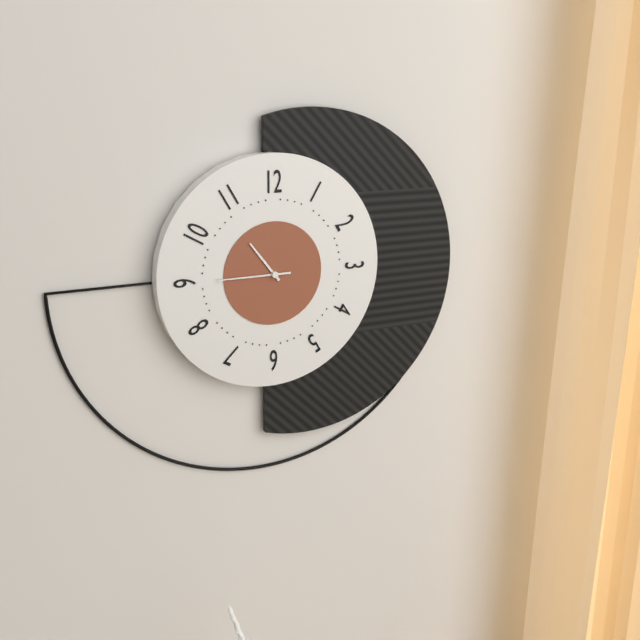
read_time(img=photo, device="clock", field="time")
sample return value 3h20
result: 10h45
